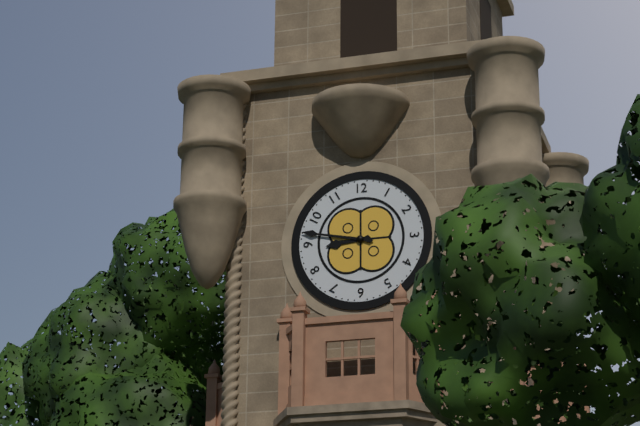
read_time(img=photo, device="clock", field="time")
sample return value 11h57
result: 8h47
